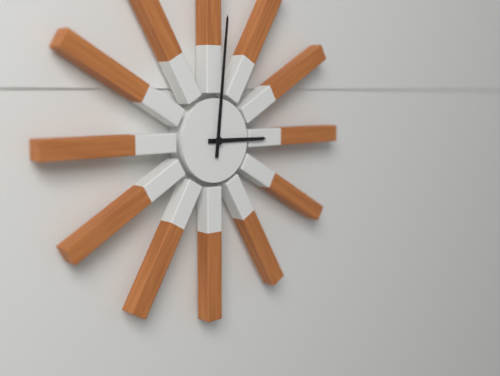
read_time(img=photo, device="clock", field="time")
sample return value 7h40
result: 3h01
